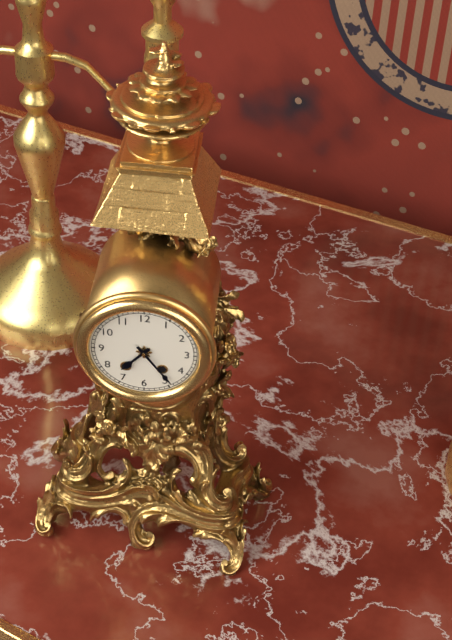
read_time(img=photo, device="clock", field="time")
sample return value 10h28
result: 7h24
